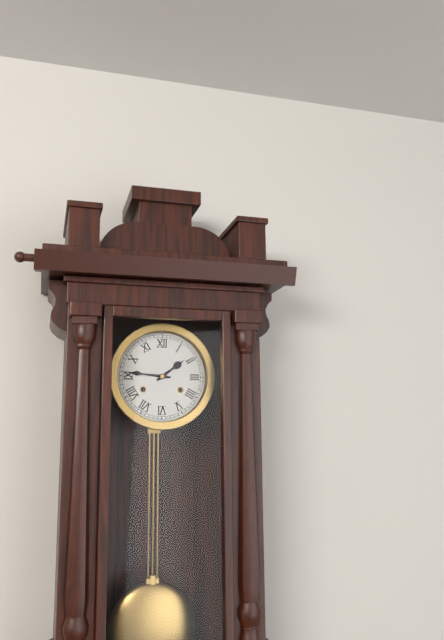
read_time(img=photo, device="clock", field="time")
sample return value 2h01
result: 1h46
